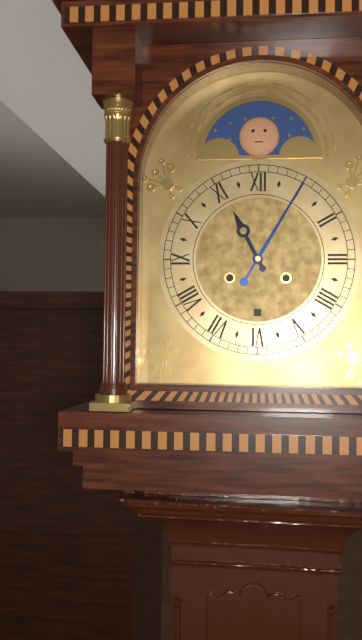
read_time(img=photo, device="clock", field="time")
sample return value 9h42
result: 11h05
